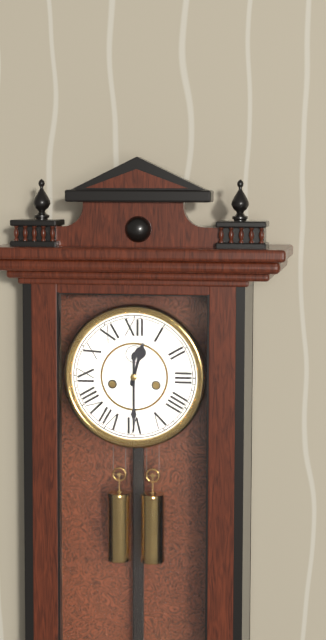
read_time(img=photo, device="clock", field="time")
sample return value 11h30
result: 12h30
